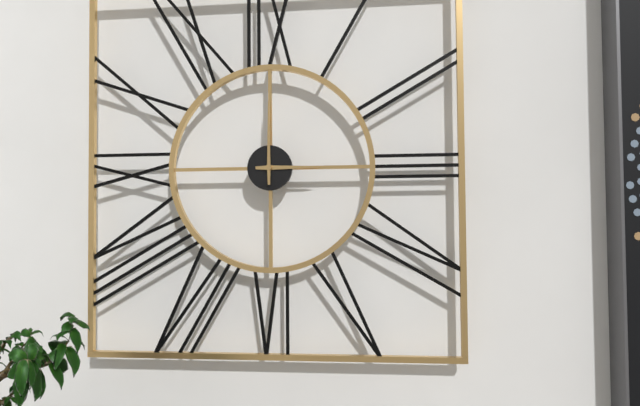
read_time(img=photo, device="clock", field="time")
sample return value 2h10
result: 3h00
